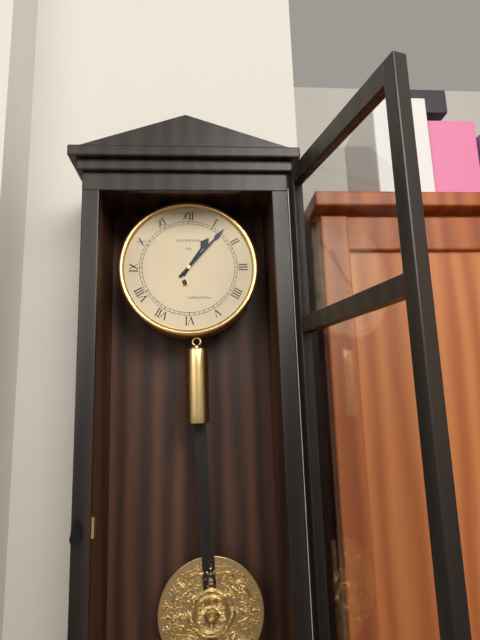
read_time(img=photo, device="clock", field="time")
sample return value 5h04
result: 1h07
